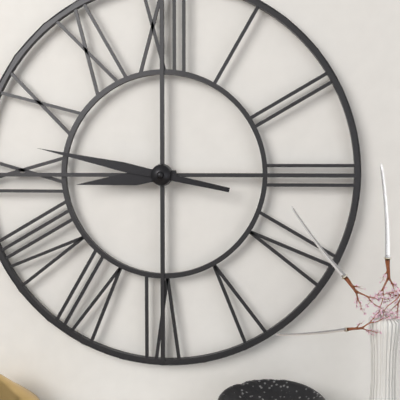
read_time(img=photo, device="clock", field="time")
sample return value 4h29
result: 8h47
